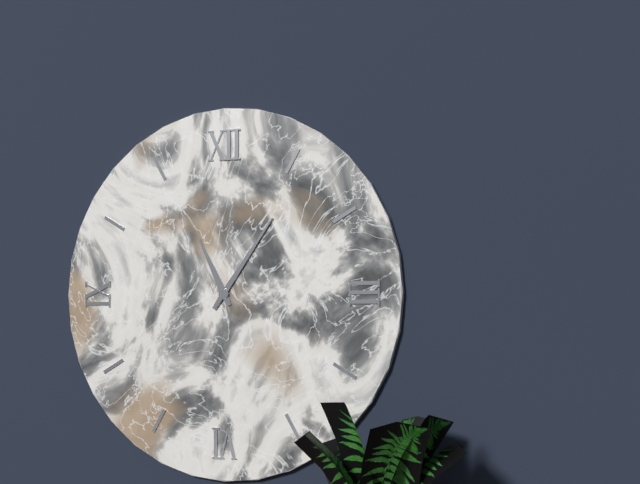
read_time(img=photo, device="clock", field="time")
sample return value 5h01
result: 11h06
